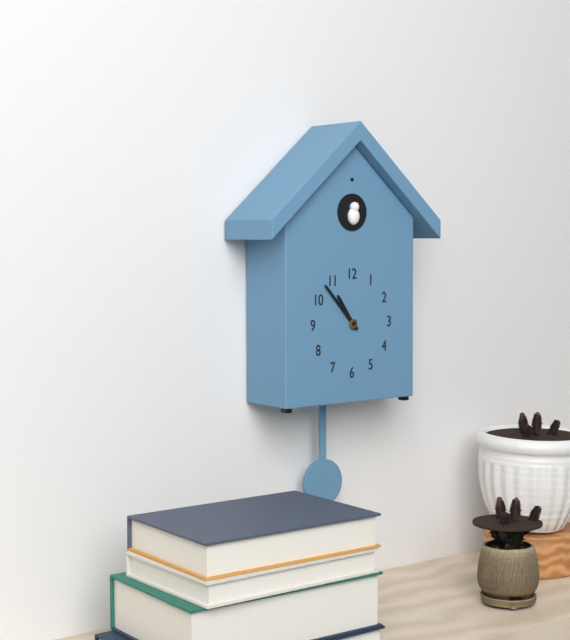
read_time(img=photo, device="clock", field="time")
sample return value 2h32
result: 10h53
